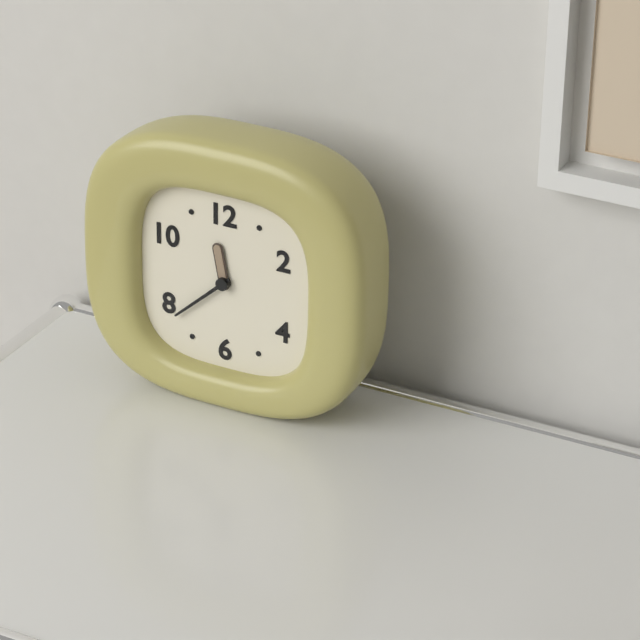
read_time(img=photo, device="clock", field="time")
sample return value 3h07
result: 11h38
